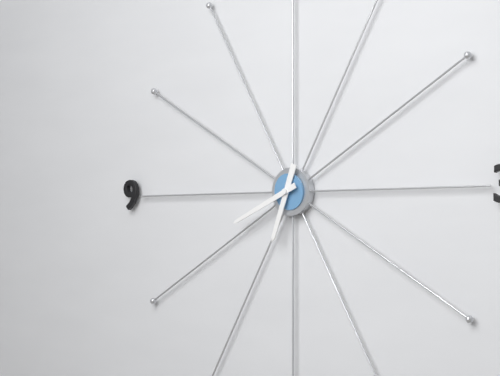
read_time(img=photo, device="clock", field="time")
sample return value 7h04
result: 6h41
